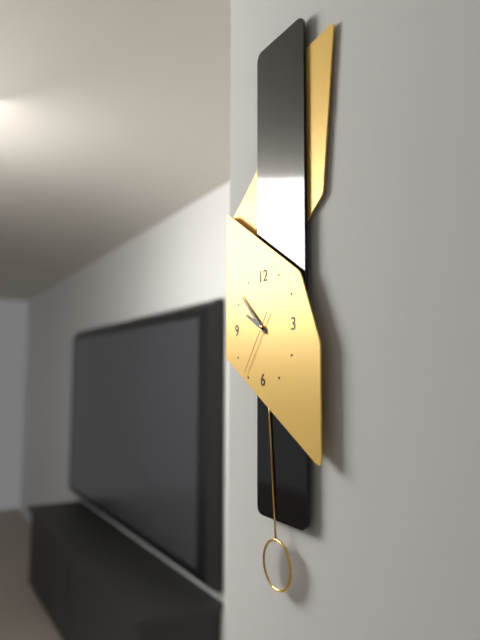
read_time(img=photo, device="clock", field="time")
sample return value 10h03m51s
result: 9h52m36s
